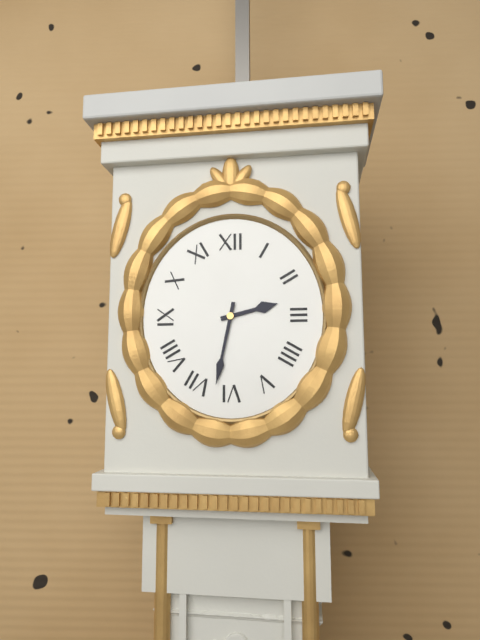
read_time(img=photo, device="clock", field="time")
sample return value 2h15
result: 2h32
